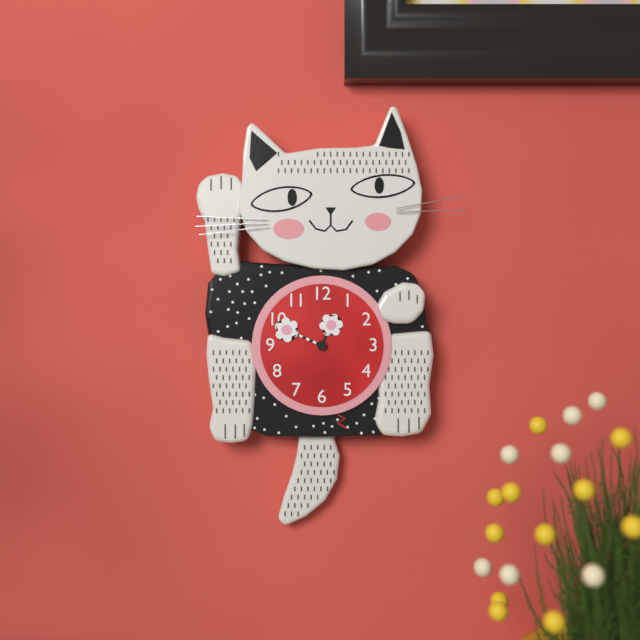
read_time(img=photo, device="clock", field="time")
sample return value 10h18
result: 12h49
